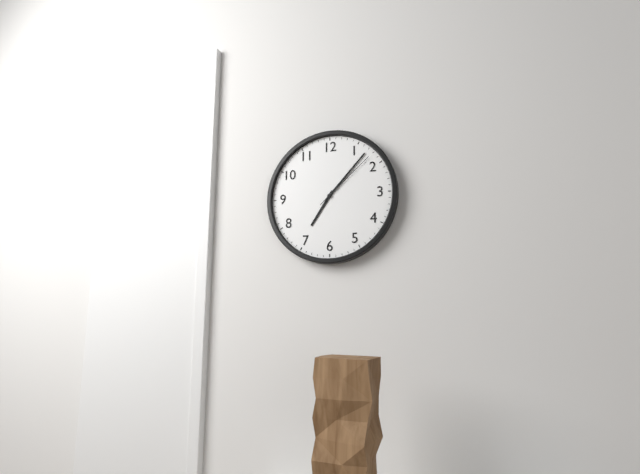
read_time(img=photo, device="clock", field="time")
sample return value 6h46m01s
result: 7h07m08s
